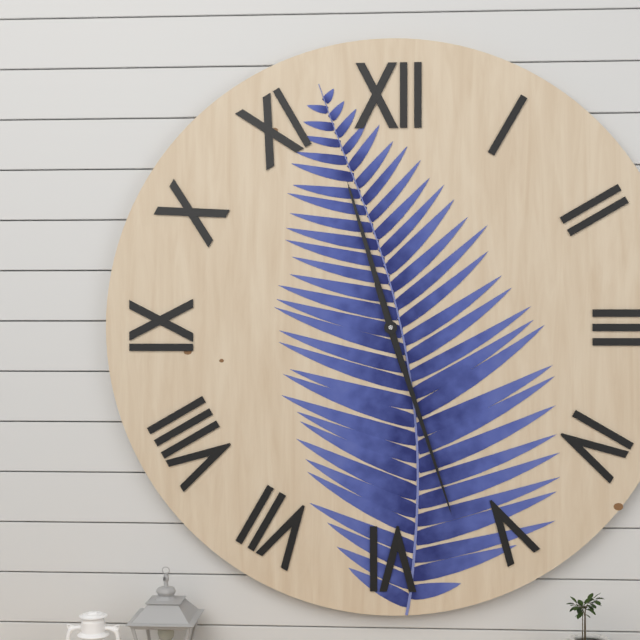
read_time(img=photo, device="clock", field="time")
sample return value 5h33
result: 11h27
